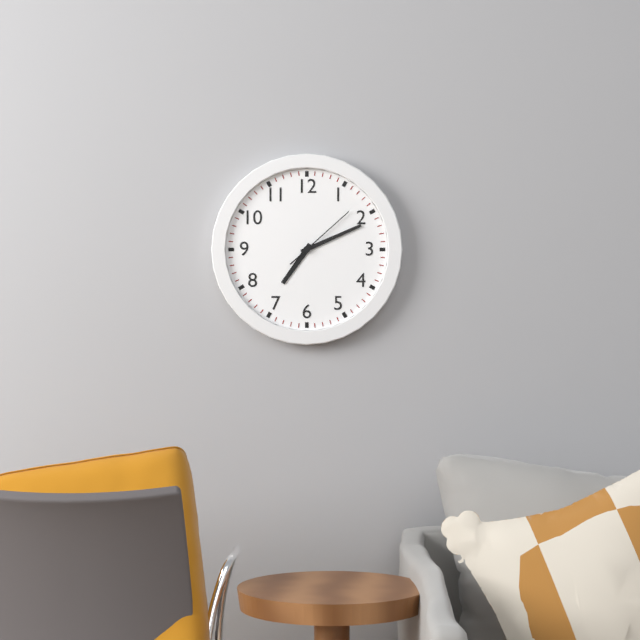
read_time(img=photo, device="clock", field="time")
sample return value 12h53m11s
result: 7h11m08s
